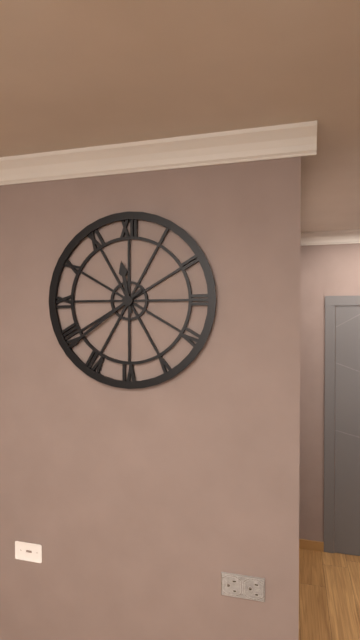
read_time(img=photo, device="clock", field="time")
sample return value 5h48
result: 11h39
